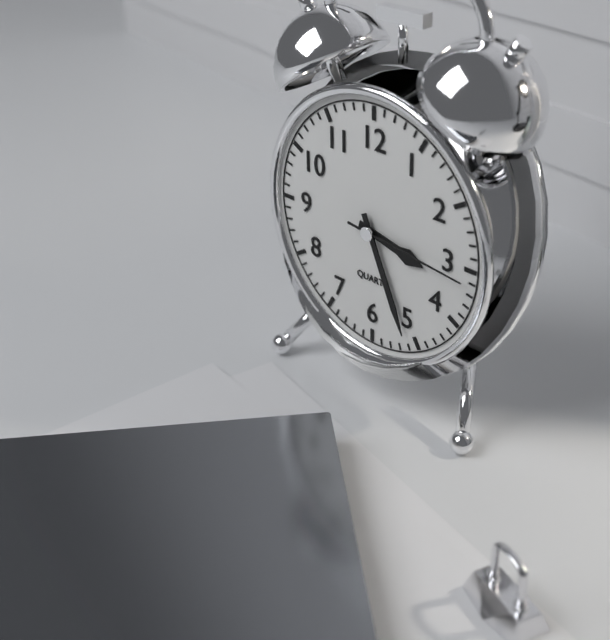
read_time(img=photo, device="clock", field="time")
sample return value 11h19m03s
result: 3h26m16s
